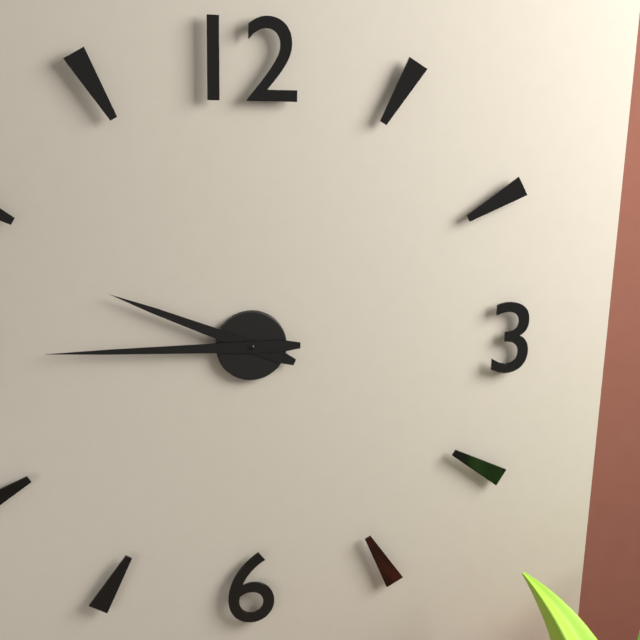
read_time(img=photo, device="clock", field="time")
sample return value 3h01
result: 9h45
